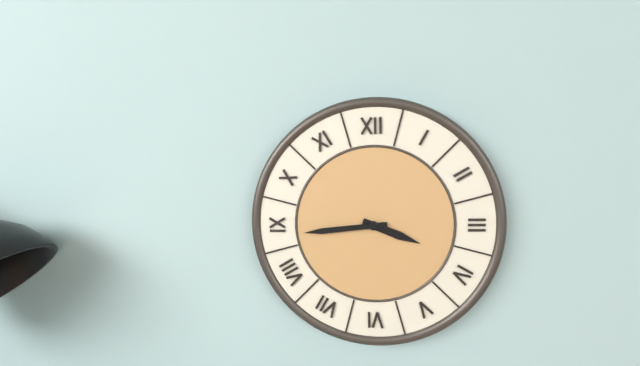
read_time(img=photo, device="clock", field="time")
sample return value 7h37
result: 3h44
